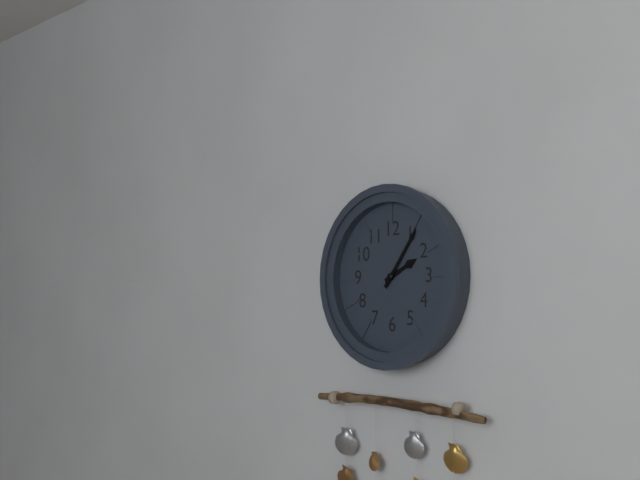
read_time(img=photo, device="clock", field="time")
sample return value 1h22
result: 2h06
